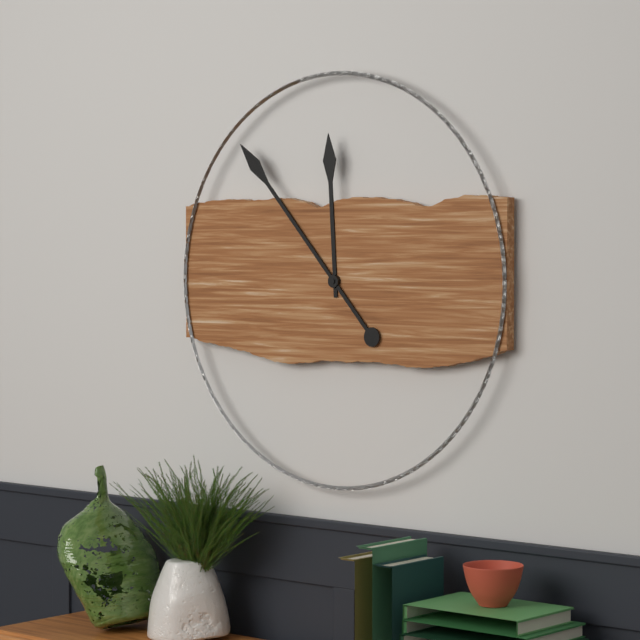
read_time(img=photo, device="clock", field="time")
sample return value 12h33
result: 11h53
